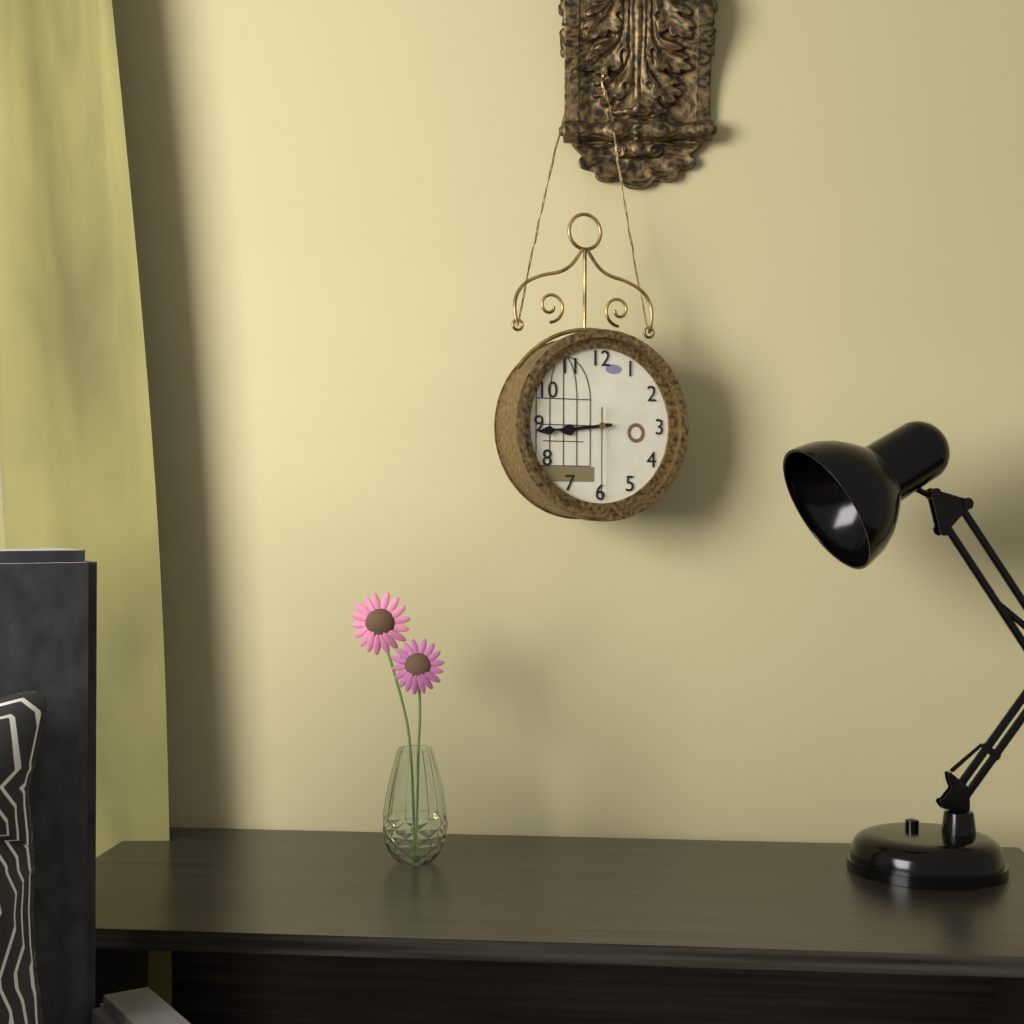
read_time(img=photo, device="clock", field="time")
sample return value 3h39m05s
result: 8h44m30s
